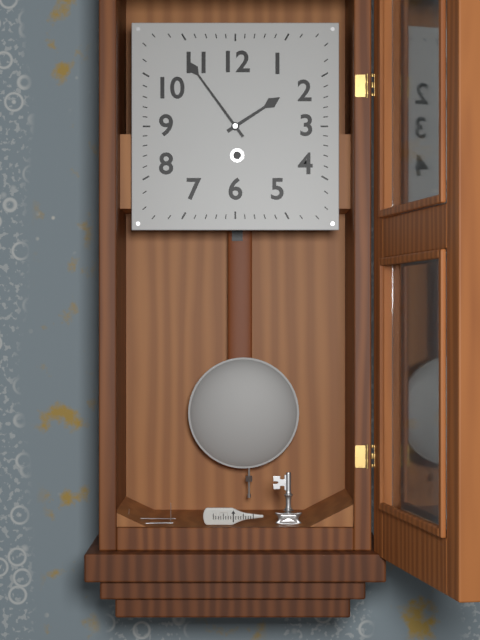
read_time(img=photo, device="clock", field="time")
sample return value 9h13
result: 1h54
